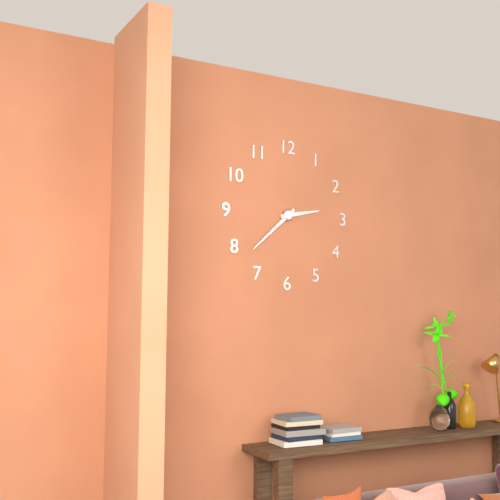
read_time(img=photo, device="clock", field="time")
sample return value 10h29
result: 2h38
